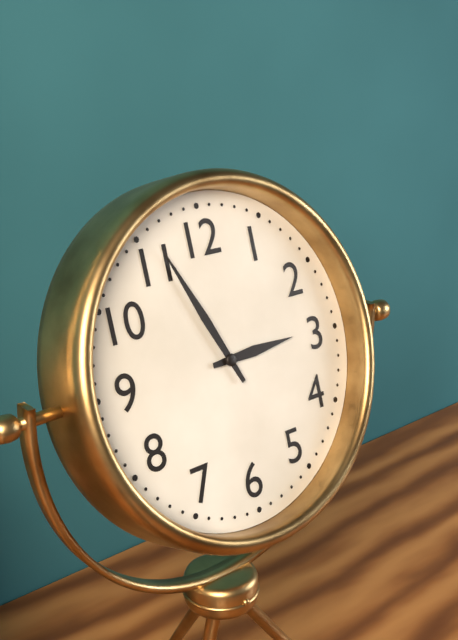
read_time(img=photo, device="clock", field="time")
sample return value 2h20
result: 2h56
